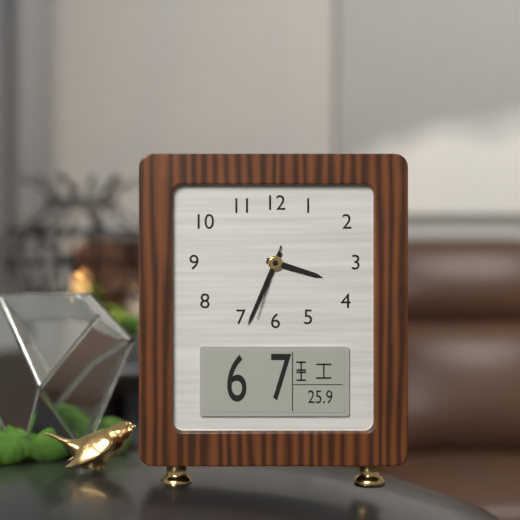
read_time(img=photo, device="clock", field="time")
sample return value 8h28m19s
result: 3h34m33s
